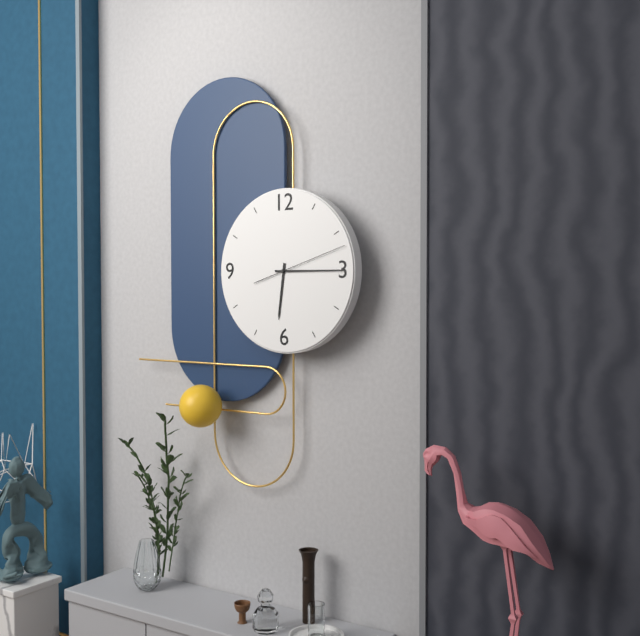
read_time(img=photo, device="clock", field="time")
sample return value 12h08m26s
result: 6h15m12s
